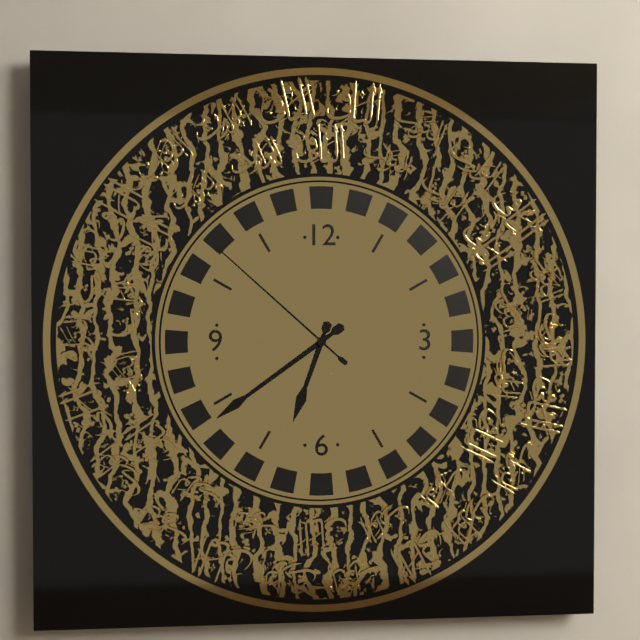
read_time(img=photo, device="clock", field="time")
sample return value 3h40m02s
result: 6h39m52s
